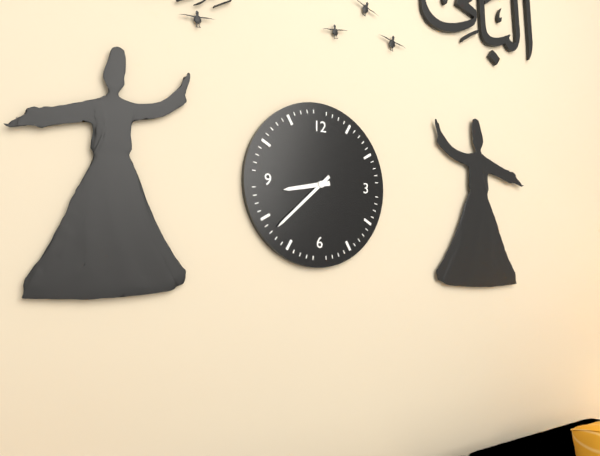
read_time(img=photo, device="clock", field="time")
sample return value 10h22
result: 8h38
